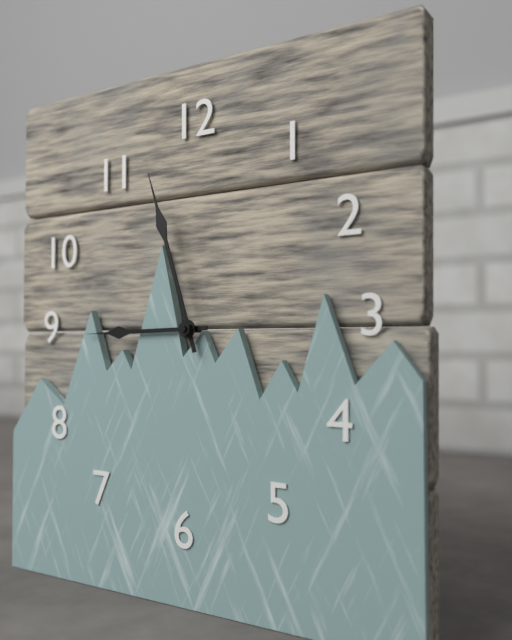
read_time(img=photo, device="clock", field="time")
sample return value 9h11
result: 8h57
